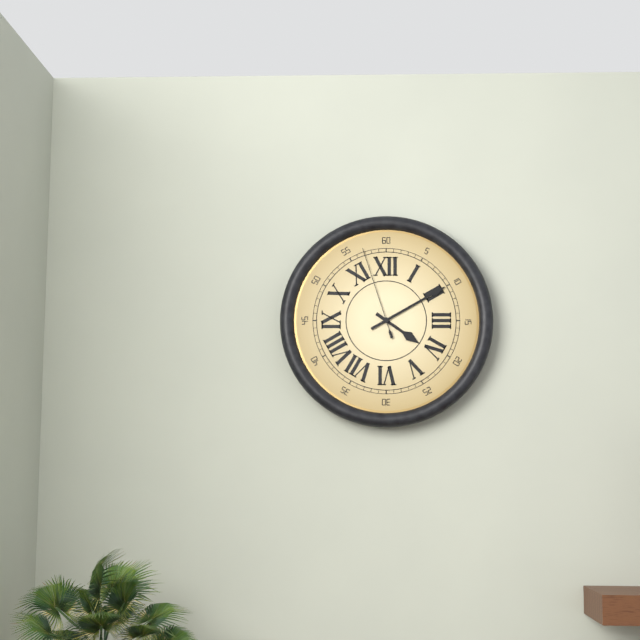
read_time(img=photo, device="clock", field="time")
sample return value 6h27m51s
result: 4h10m57s
